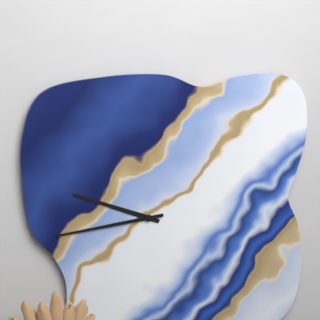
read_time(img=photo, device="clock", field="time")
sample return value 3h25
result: 9h44
